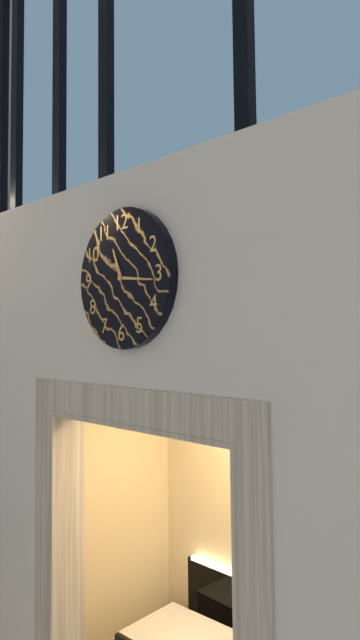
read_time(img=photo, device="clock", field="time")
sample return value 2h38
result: 11h16
